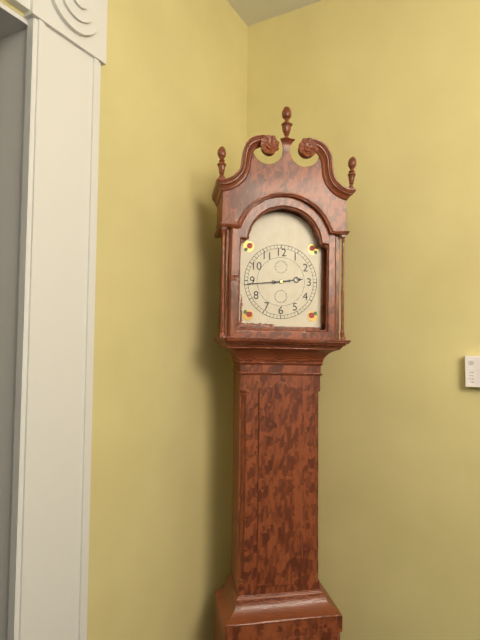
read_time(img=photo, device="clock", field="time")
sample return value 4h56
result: 2h44
